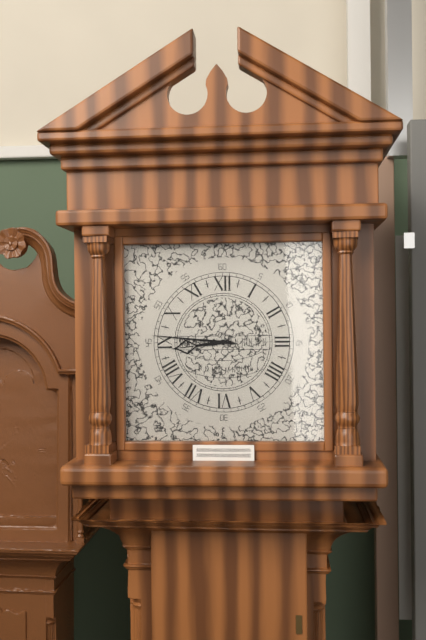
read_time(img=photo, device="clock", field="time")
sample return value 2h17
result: 8h46
